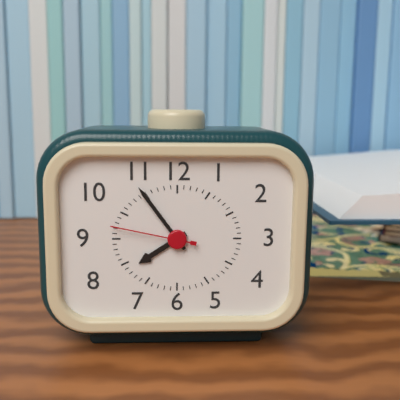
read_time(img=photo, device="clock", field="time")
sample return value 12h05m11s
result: 7h54m47s
